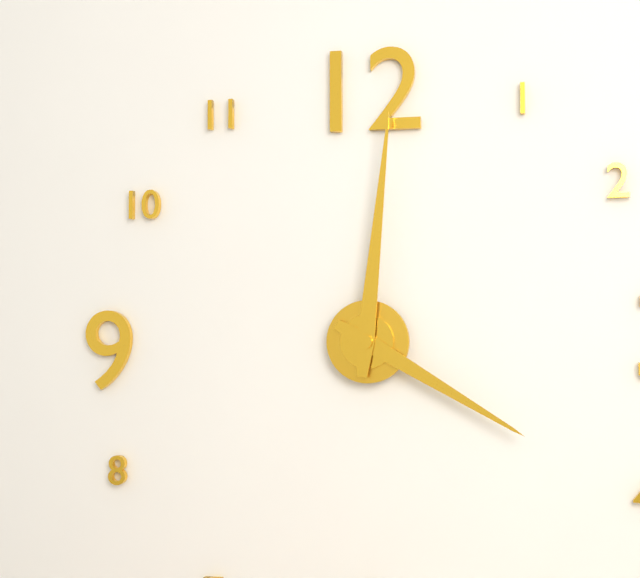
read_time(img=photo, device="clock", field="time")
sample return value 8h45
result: 4h01
